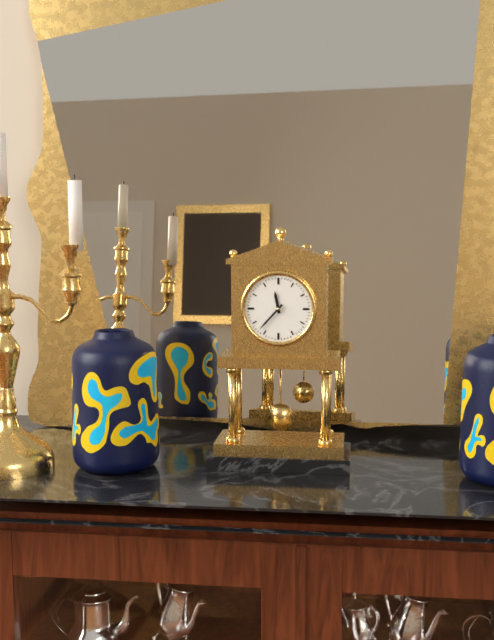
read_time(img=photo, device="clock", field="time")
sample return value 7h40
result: 11h37
